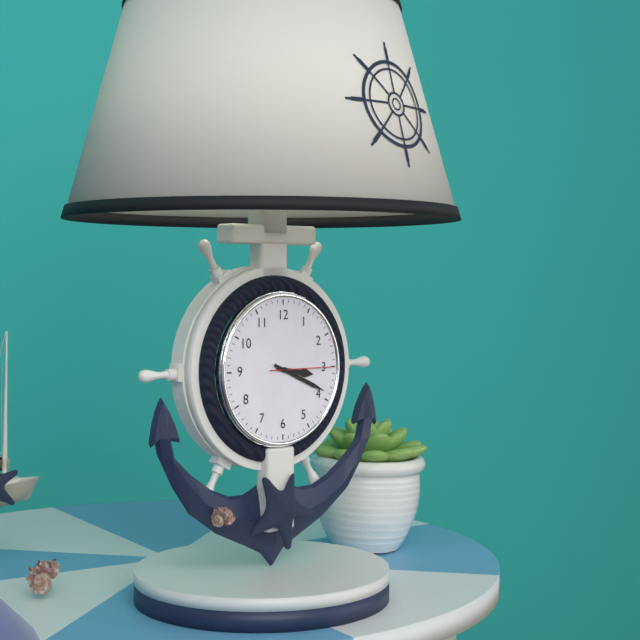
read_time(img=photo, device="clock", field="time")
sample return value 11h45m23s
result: 3h19m15s
